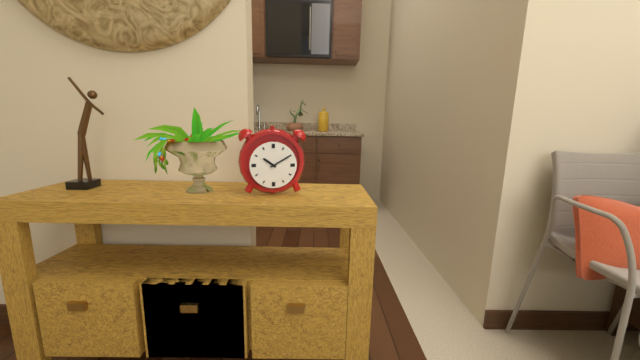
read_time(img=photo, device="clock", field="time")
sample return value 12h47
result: 10h10
